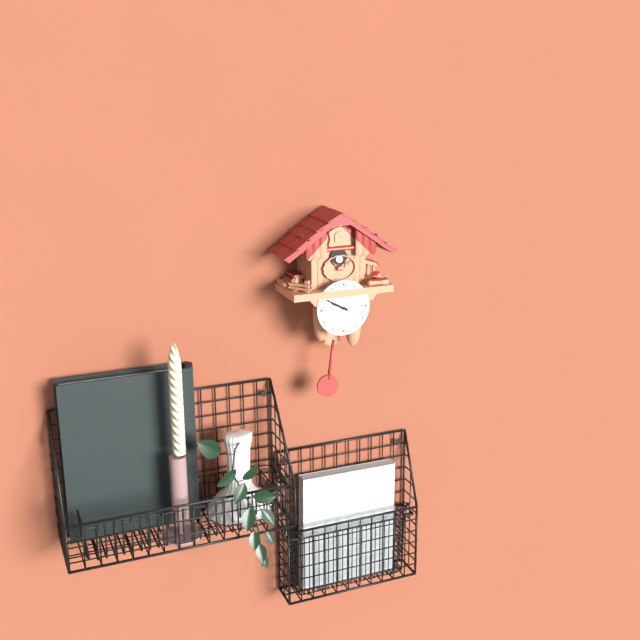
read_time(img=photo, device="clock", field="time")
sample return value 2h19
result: 9h50
